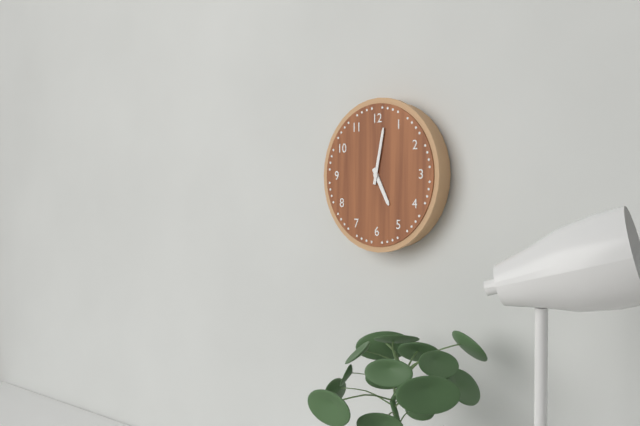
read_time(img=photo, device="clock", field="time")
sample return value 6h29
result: 5h02
